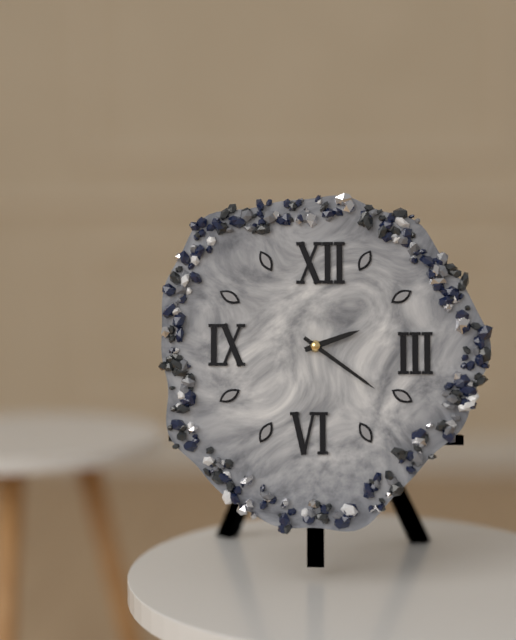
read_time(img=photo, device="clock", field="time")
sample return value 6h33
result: 2h21
